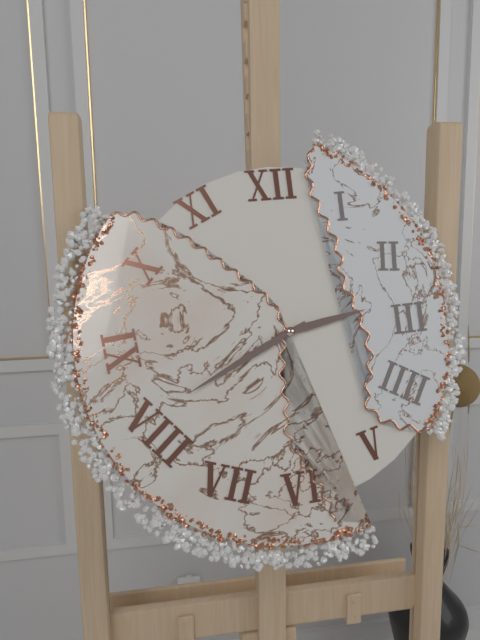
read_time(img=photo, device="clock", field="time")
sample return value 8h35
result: 2h41
